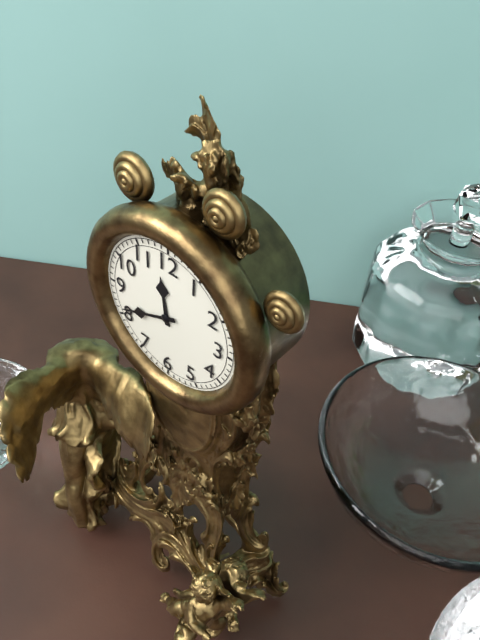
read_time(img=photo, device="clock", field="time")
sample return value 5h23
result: 11h41
